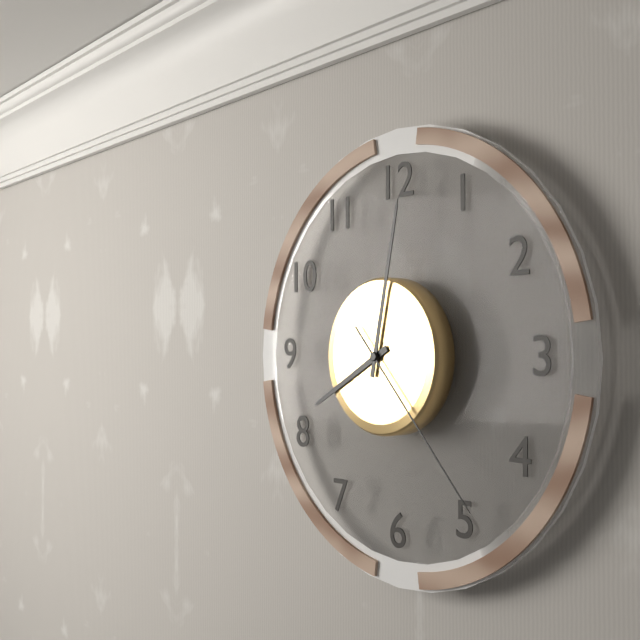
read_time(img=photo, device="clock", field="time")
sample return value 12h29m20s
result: 8h02m23s
